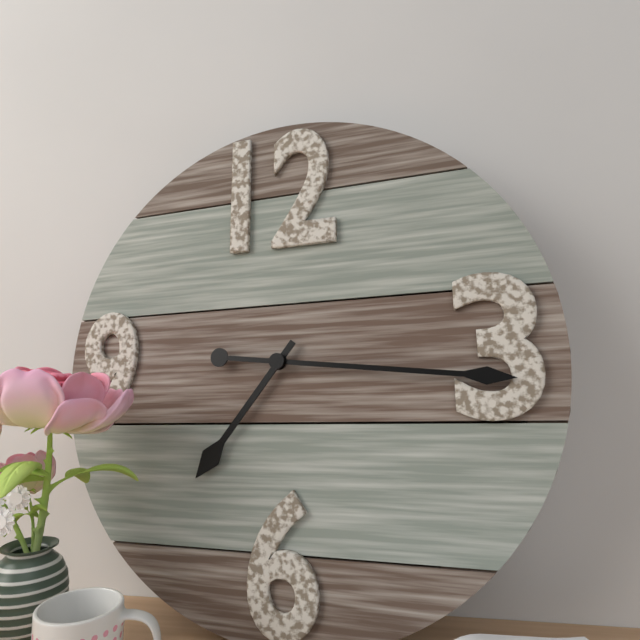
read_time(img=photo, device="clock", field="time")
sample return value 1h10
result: 7h16
